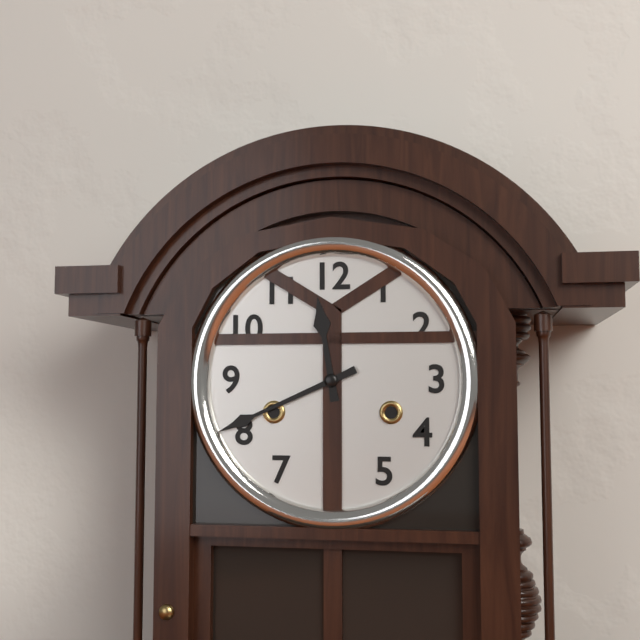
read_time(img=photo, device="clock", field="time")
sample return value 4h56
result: 11h41
